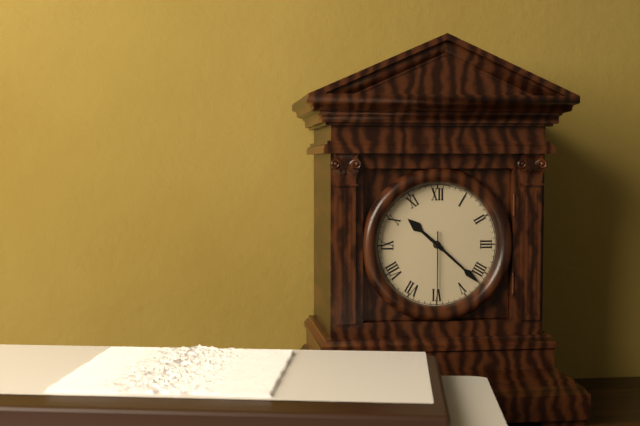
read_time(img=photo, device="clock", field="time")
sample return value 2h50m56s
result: 10h22m30s
